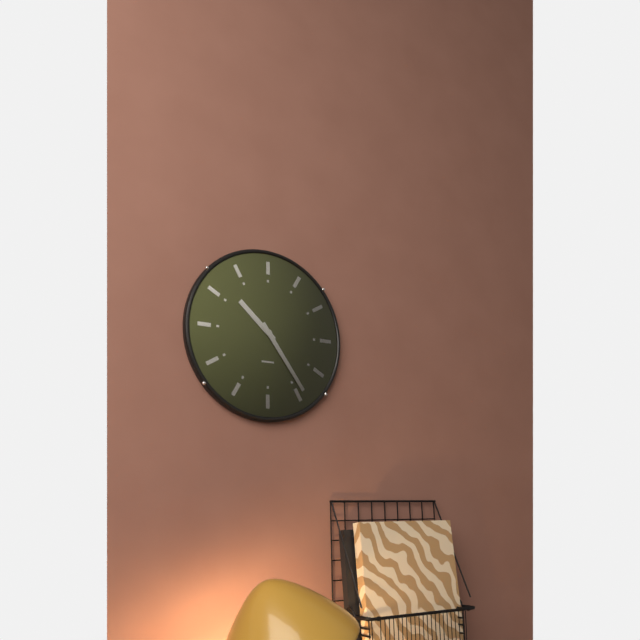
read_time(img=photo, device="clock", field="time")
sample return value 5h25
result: 10h24
